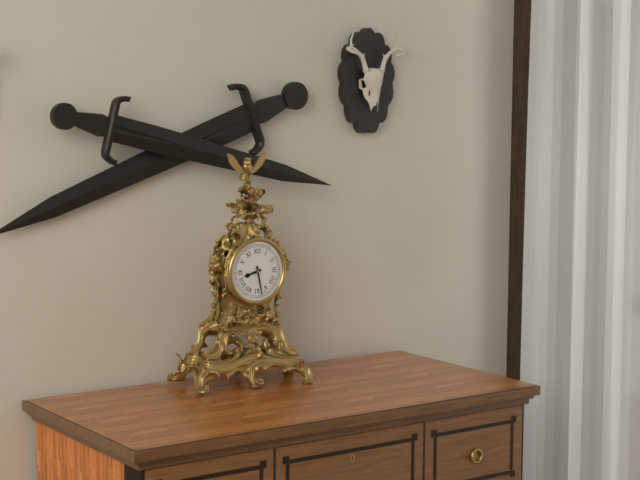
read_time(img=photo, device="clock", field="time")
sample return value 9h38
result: 8h28
